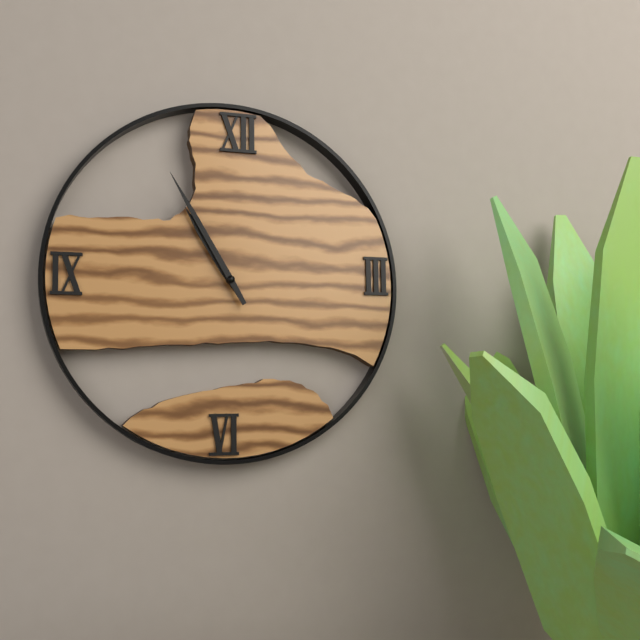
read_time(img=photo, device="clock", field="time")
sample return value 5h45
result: 10h55
